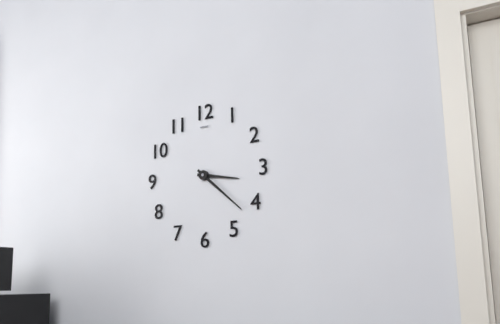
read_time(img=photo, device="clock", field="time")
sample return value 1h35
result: 3h22
